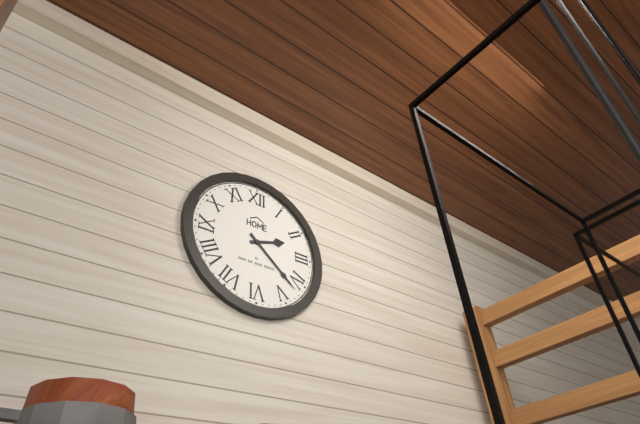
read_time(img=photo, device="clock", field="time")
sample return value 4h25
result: 2h22
